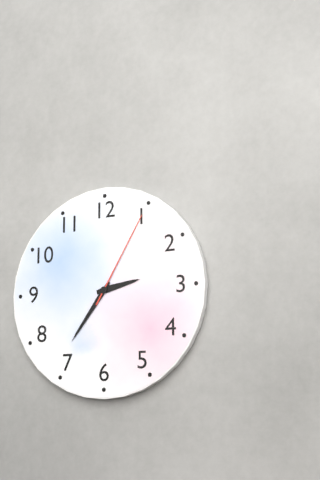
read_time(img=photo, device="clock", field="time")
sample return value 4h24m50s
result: 2h36m05s
